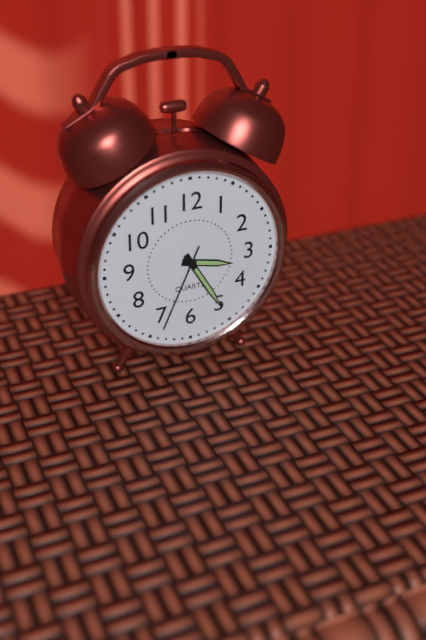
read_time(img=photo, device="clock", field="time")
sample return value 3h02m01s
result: 3h25m34s
